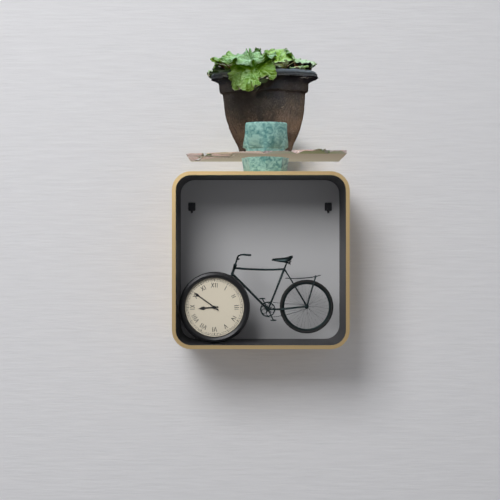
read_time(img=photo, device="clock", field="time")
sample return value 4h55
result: 8h51
